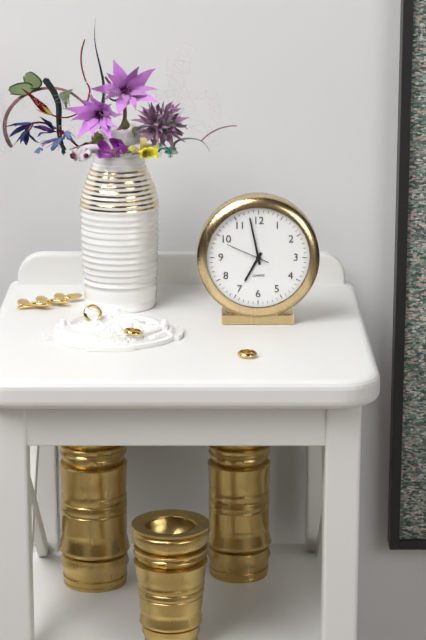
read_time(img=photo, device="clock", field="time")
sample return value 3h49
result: 6h58
